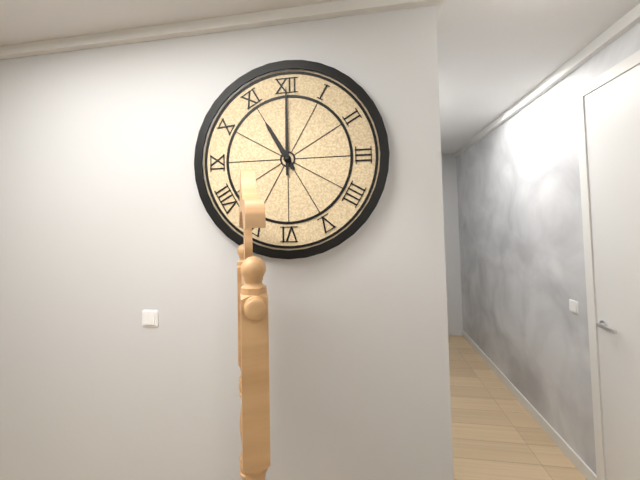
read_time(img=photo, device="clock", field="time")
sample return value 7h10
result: 11h00
